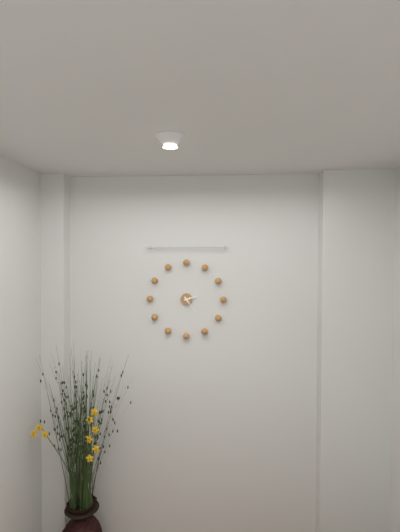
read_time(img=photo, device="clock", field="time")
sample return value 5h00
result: 2h24
